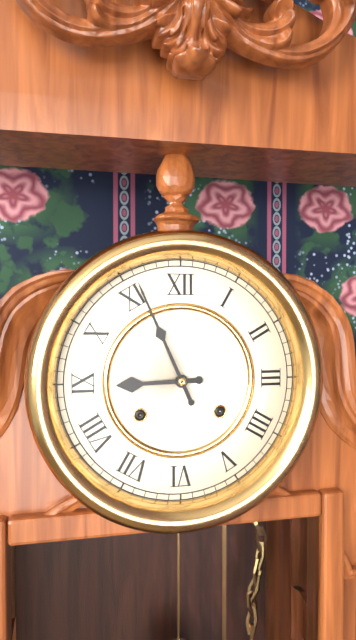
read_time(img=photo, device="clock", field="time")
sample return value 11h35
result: 8h56
